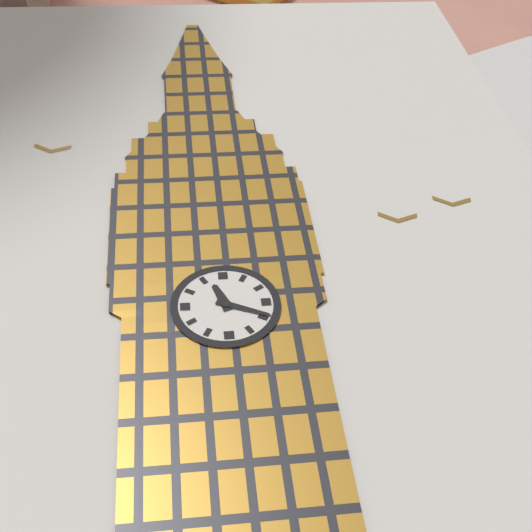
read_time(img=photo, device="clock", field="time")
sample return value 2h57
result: 11h19
